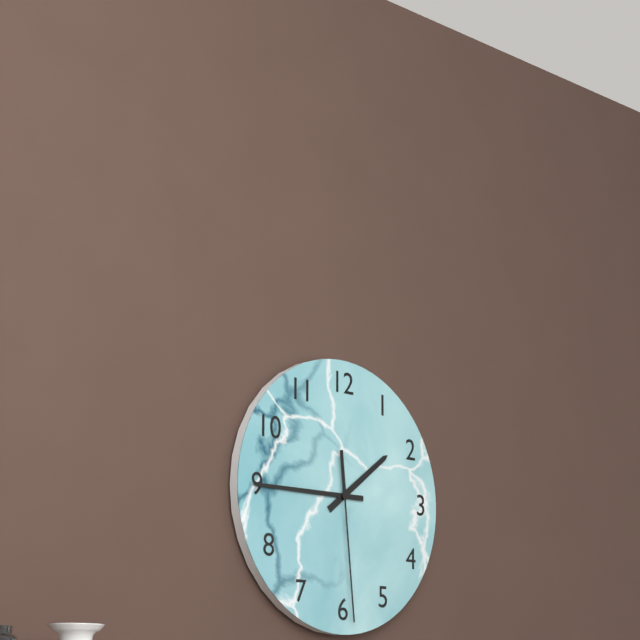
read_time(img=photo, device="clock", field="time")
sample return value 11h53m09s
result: 1h45m29s
